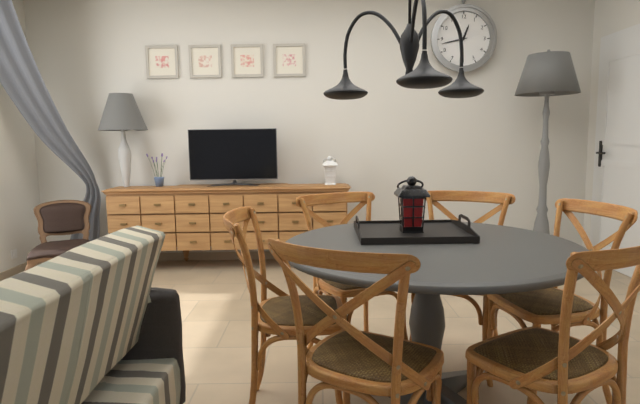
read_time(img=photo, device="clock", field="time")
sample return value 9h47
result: 12h43
